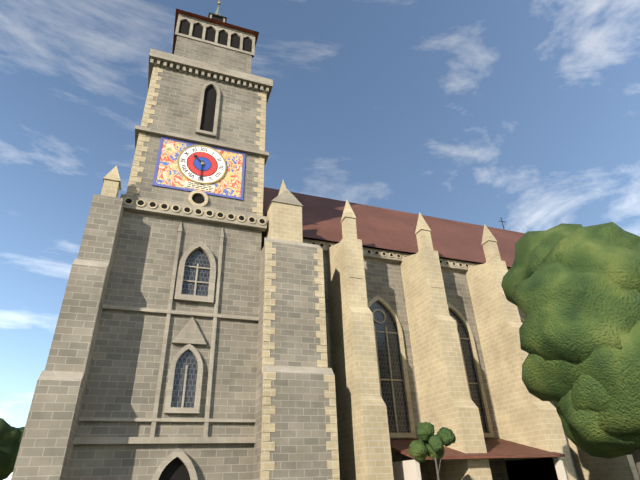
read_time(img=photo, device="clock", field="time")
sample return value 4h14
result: 10h30
